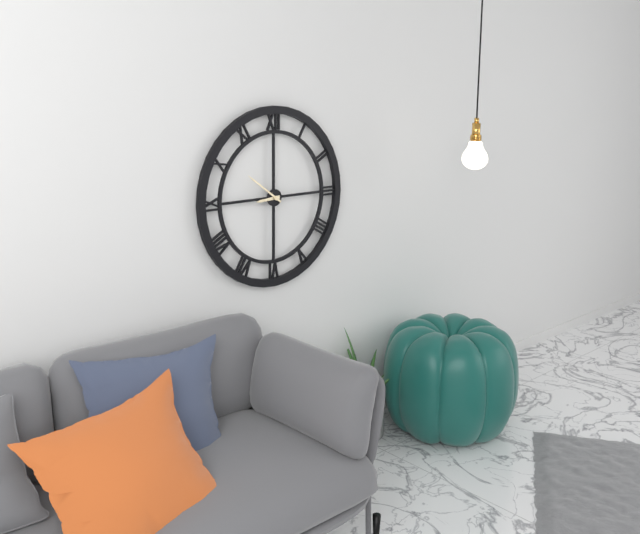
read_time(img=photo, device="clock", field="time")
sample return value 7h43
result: 8h51
